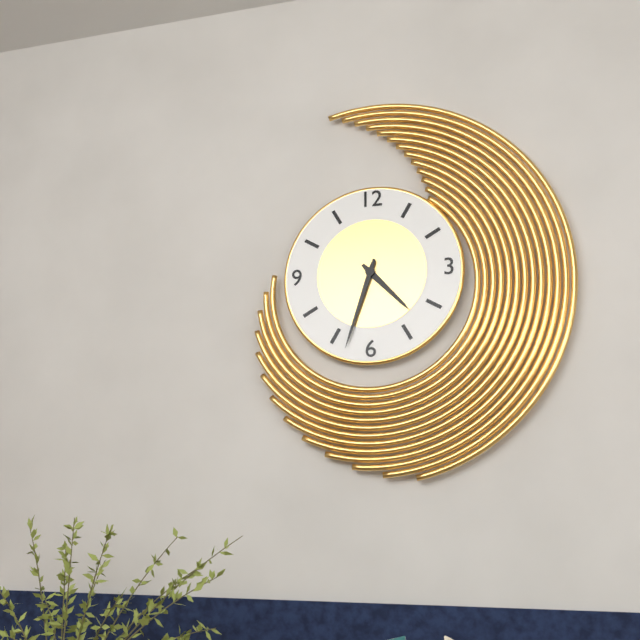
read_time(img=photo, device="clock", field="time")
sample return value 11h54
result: 4h33
